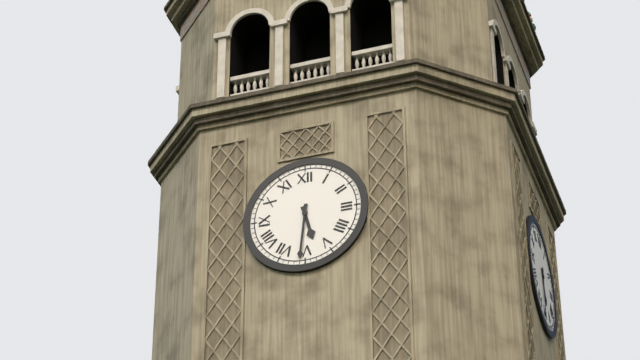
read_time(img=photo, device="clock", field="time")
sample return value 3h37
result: 5h31
